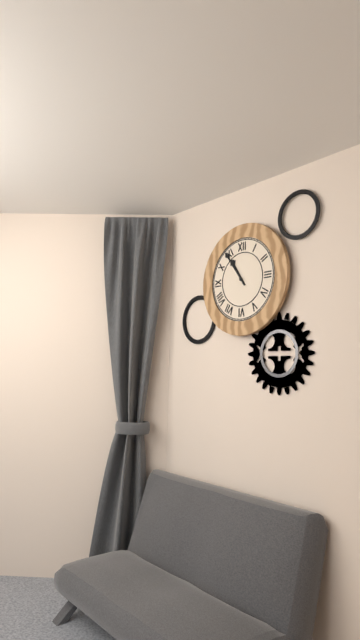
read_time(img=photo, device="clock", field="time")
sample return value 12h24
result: 10h54
